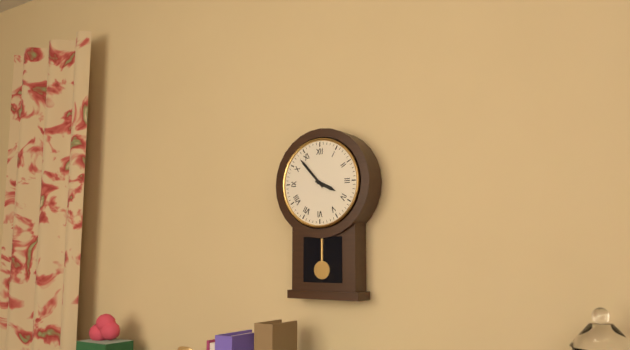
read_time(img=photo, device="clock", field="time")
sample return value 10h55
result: 3h53
